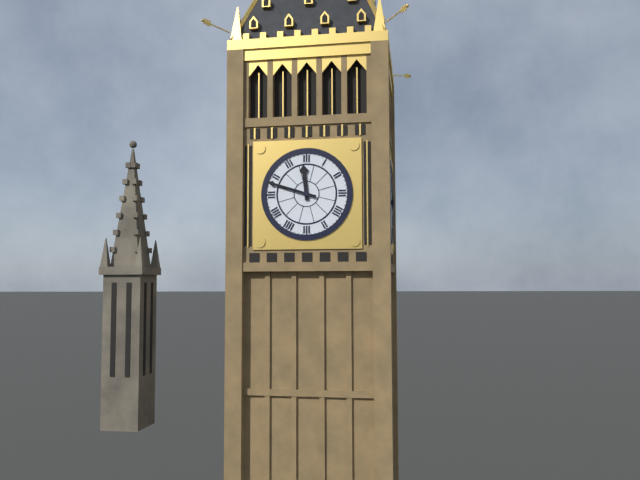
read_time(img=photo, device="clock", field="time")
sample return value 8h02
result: 11h48
